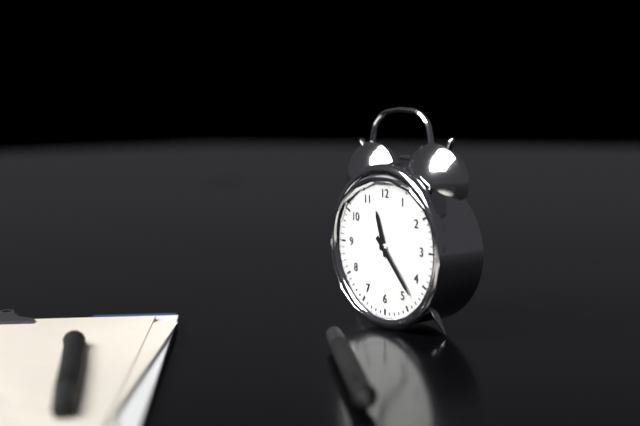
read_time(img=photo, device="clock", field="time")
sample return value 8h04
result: 11h23
